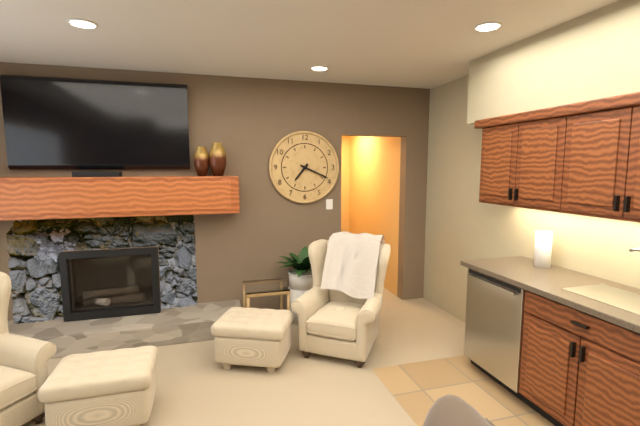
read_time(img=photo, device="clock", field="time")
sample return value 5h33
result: 7h19
